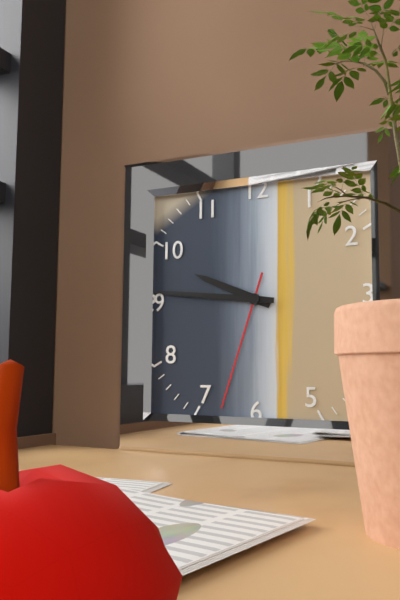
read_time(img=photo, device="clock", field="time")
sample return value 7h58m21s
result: 9h46m33s
